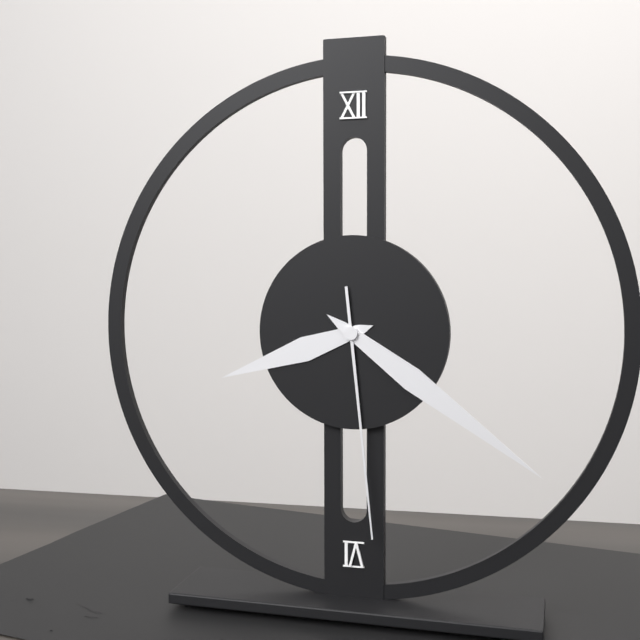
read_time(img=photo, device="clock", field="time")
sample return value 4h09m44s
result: 8h21m29s
